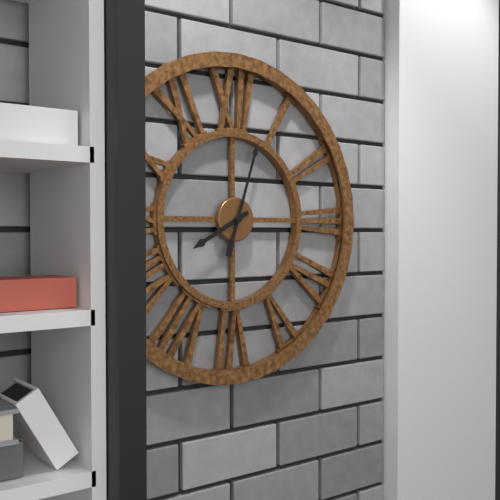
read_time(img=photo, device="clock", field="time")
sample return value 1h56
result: 8h03
